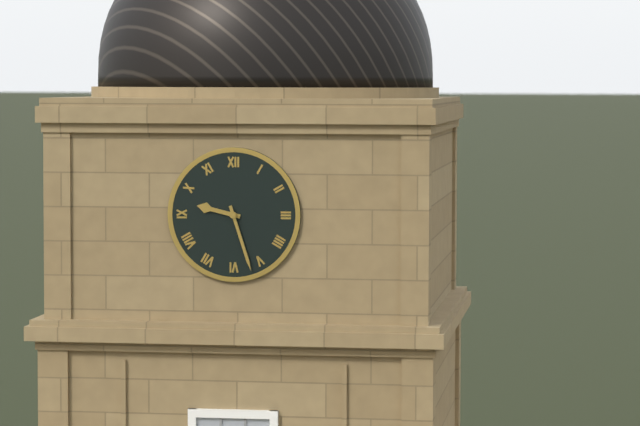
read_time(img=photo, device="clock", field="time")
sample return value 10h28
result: 9h27
